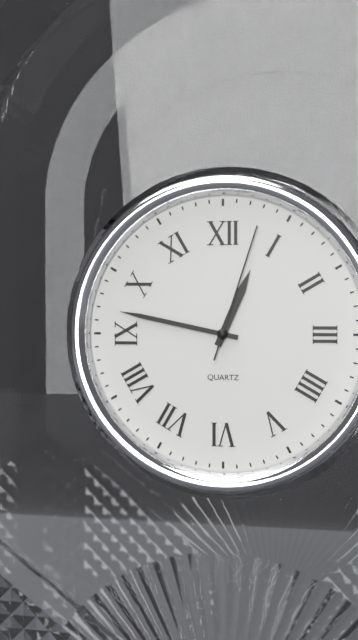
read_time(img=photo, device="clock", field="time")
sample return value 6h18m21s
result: 12h47m03s
